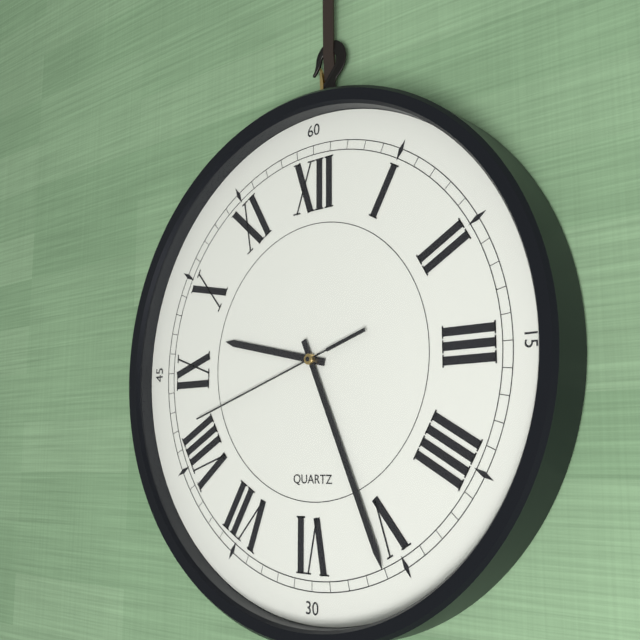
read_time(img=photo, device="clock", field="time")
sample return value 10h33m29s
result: 9h26m42s
